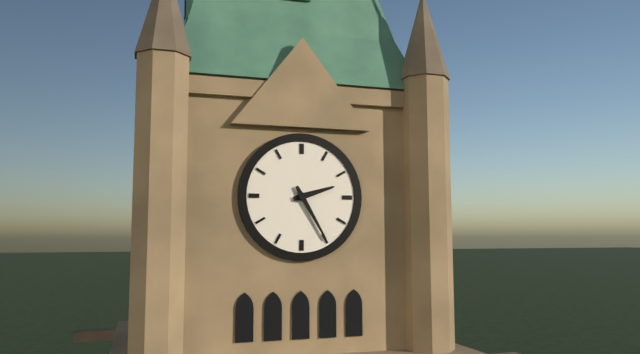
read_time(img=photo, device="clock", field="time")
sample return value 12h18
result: 2h25
